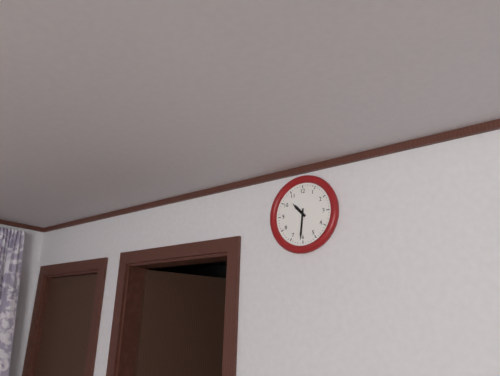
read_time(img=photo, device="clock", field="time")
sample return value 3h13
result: 10h31
